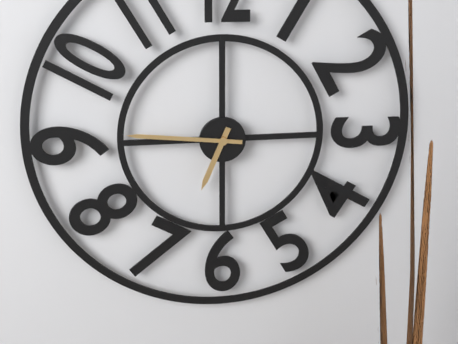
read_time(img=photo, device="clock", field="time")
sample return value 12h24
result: 6h46
